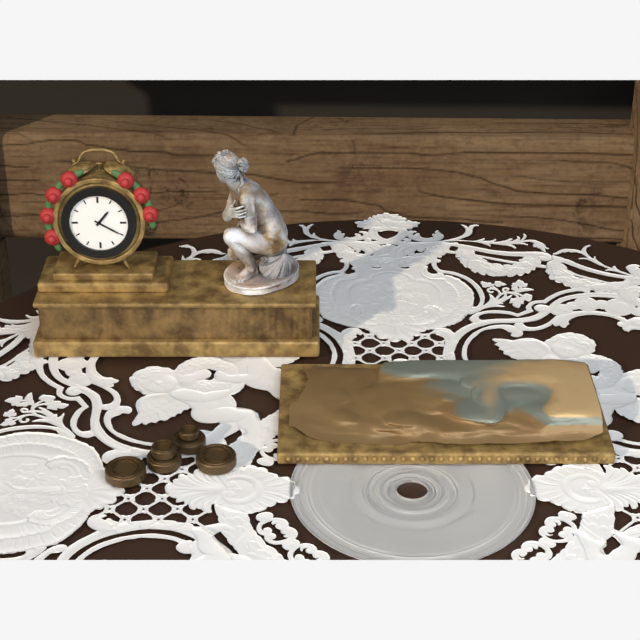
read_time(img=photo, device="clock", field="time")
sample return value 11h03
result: 1h20
